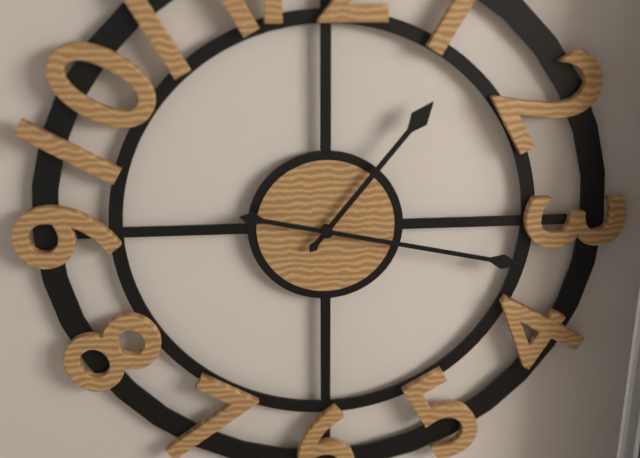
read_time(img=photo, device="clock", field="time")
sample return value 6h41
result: 1h17
